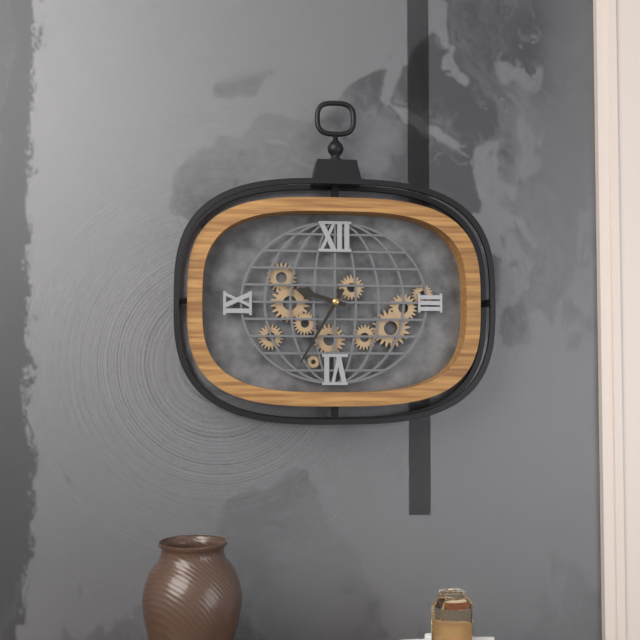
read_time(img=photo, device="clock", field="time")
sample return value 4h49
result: 9h35
